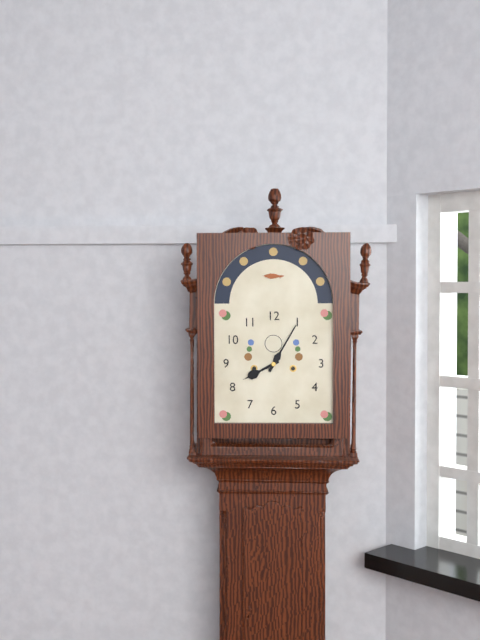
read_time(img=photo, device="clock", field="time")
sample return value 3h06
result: 8h05
